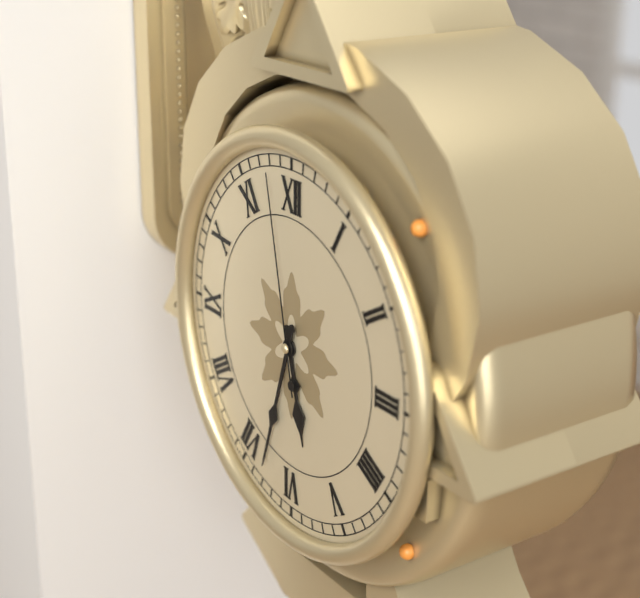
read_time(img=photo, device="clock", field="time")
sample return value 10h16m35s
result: 5h33m58s
